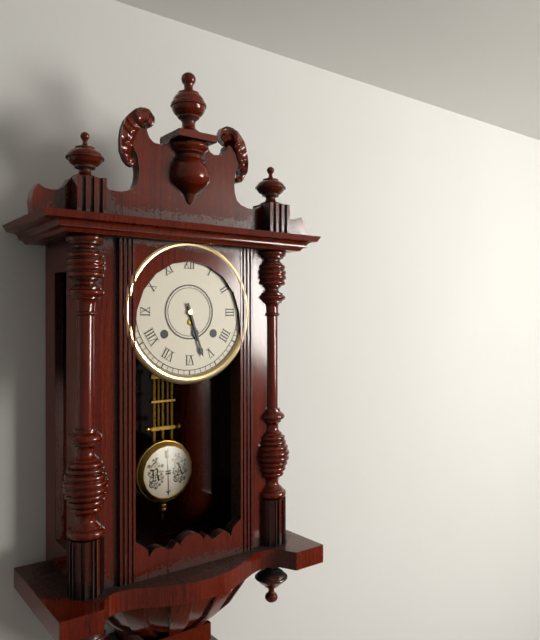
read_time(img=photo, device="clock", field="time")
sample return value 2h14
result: 5h27
